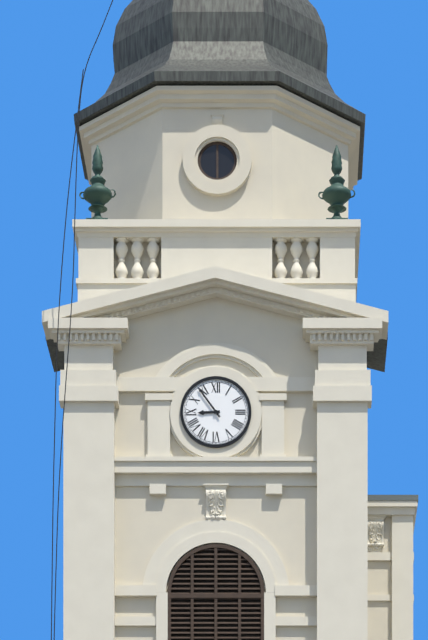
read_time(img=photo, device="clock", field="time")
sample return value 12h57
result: 8h54
